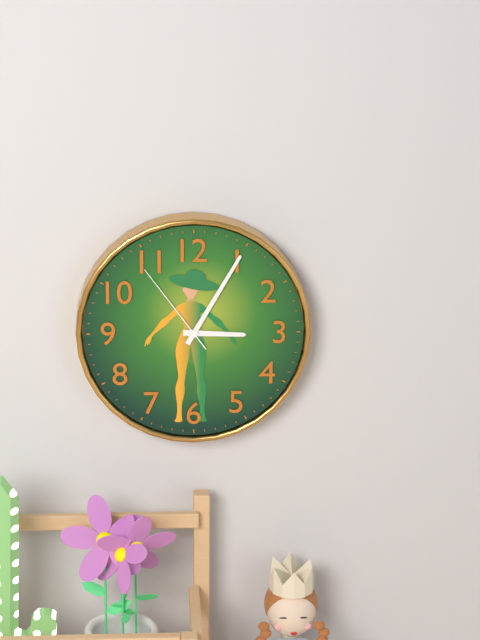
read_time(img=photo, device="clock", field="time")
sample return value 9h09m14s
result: 3h05m54s
